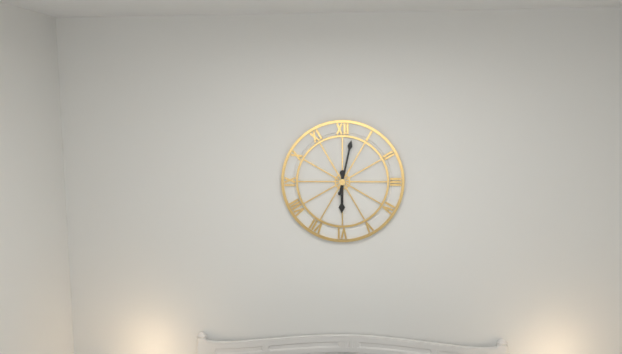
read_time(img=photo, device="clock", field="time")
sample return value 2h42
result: 6h02
